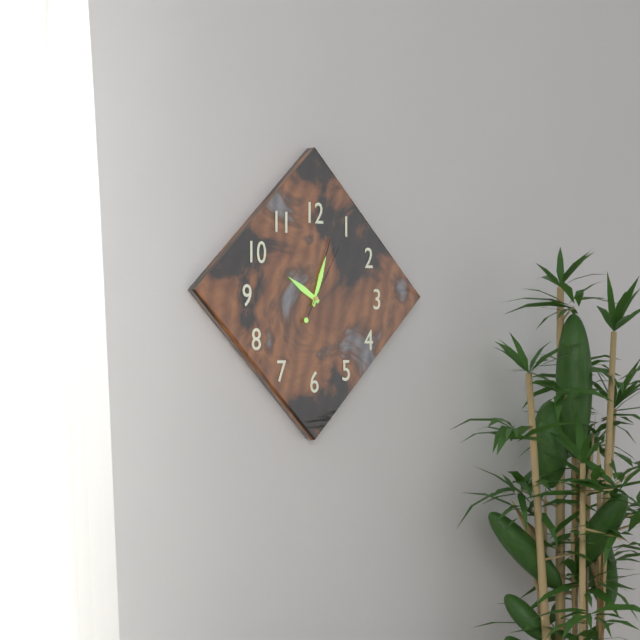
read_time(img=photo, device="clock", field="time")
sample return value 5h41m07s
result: 10h03m05s
